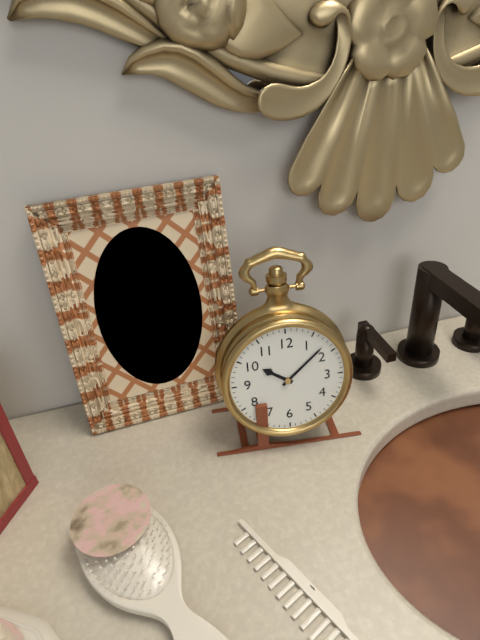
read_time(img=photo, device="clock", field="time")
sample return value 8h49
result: 10h08
